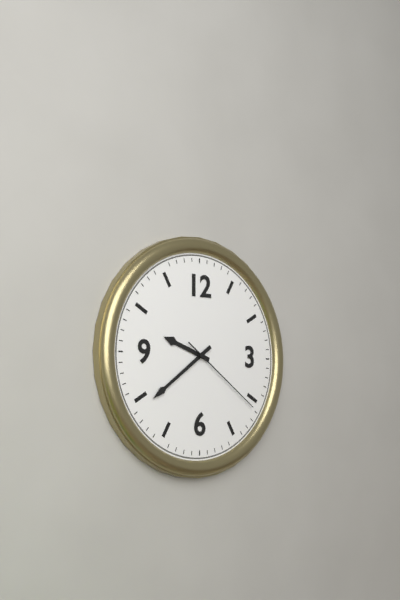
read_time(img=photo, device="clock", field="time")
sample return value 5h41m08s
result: 9h39m21s
